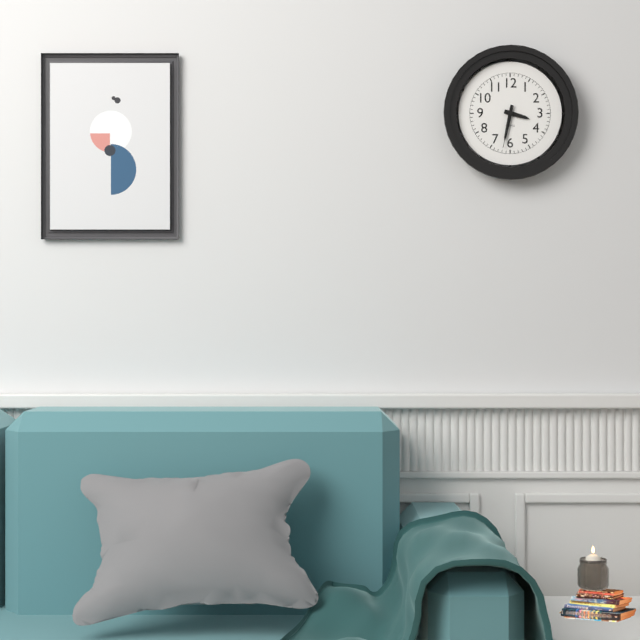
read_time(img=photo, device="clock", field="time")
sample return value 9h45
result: 3h32
